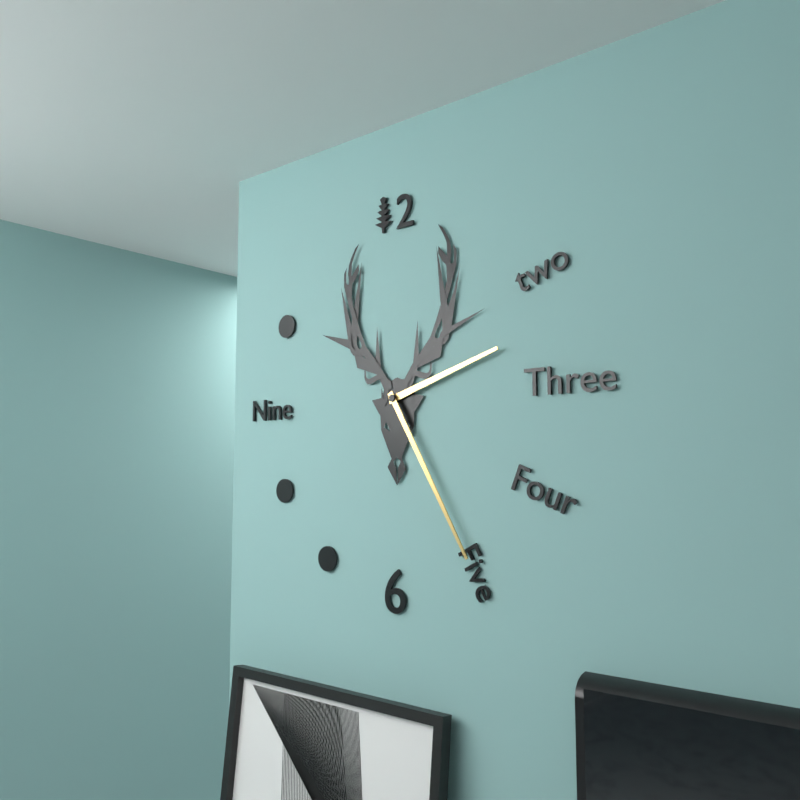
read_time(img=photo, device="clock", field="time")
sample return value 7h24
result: 2h25
